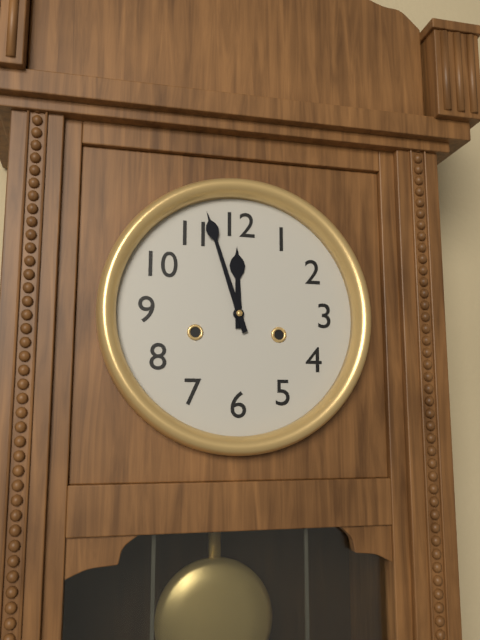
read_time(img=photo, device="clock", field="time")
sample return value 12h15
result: 11h57
